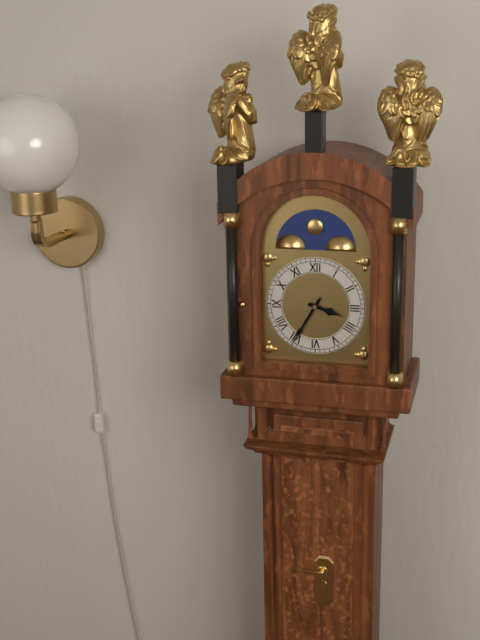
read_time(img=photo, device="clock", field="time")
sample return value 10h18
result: 3h35
